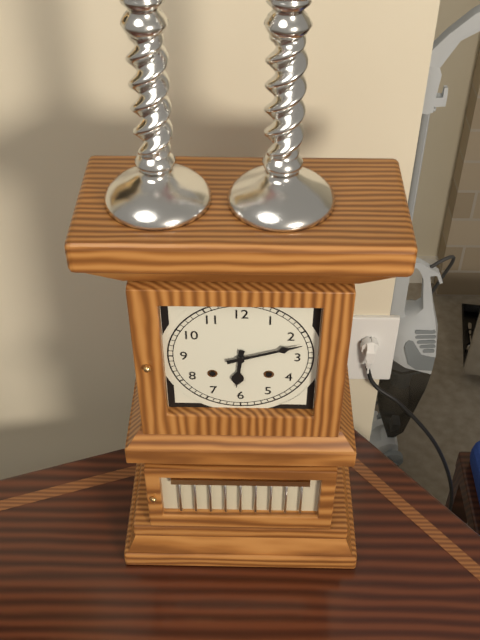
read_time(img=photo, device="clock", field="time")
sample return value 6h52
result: 6h12
